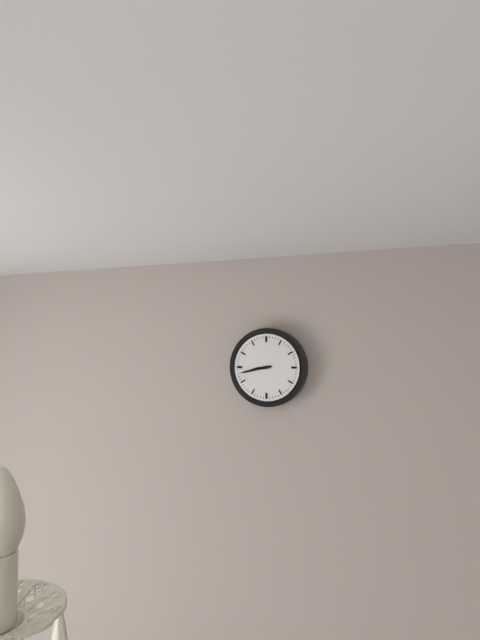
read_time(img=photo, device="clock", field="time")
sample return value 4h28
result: 8h43
